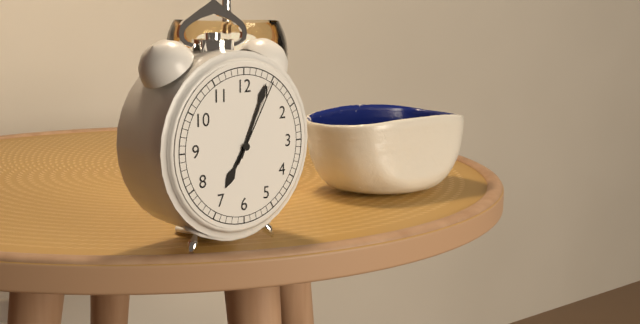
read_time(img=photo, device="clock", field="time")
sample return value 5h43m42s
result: 7h04m05s
